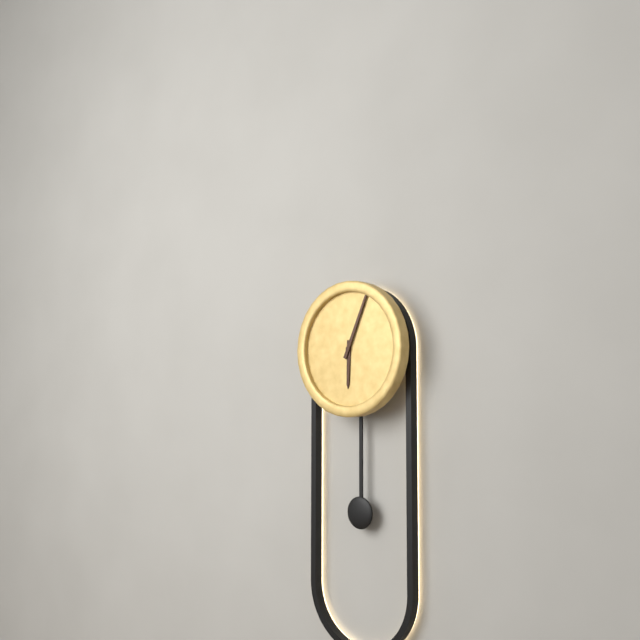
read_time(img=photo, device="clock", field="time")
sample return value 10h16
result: 6h04
